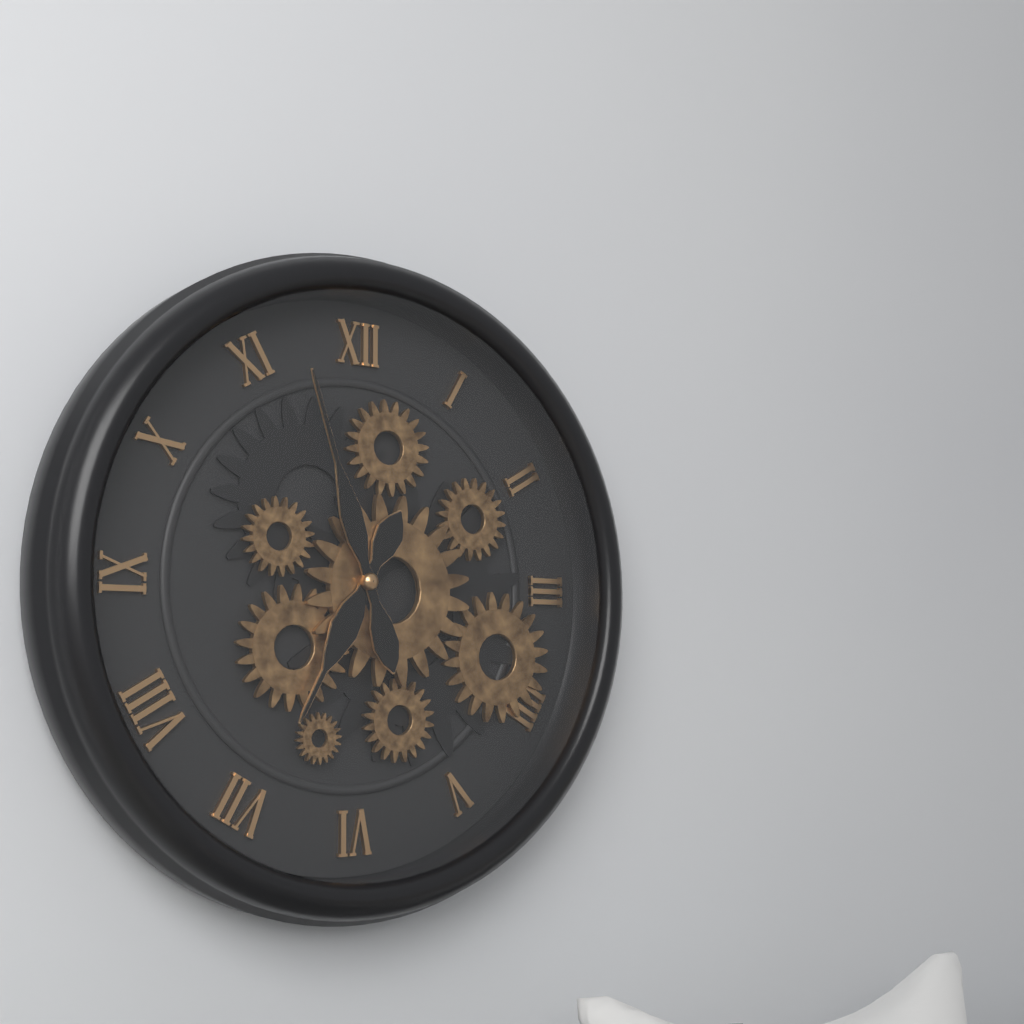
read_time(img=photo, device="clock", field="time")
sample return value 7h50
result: 6h57
